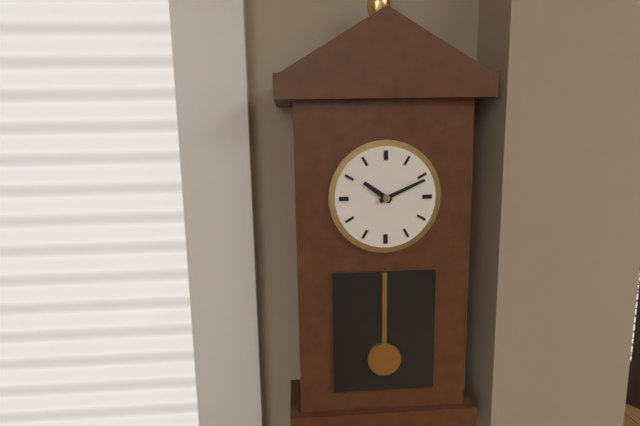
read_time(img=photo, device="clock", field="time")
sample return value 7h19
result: 10h11
